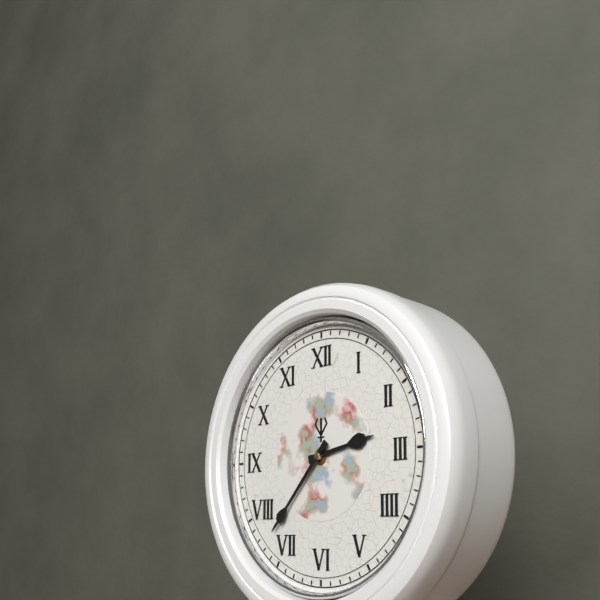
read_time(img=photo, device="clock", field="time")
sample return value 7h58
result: 2h37
